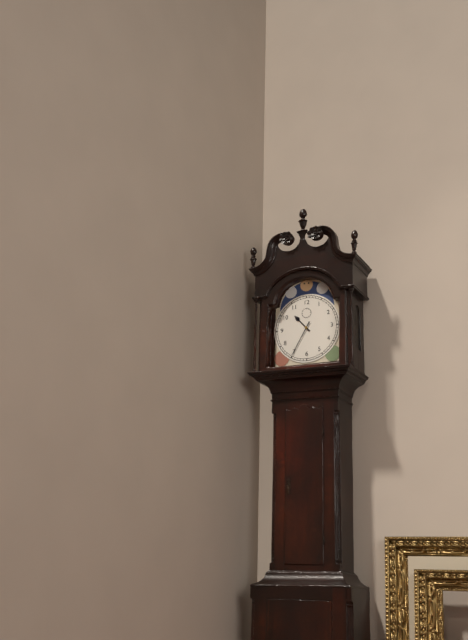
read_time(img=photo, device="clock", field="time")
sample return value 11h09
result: 10h35
